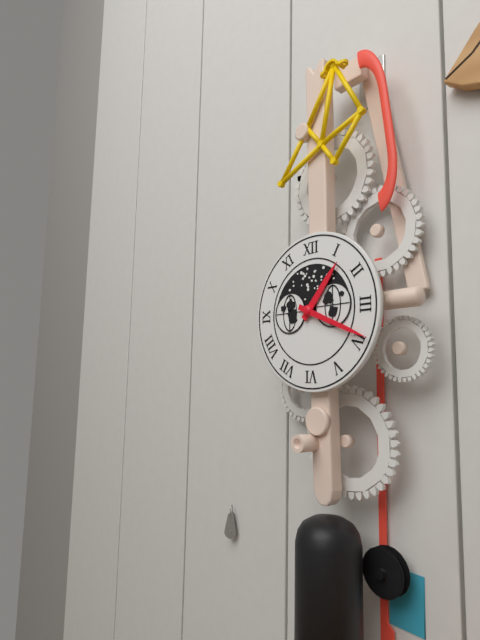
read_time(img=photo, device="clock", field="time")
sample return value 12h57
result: 1h19
